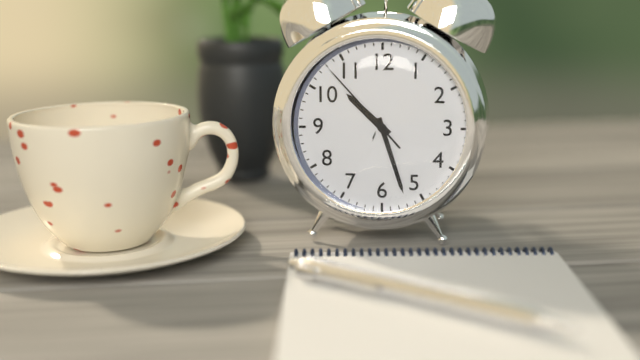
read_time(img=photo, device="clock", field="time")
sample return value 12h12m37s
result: 10h27m53s
